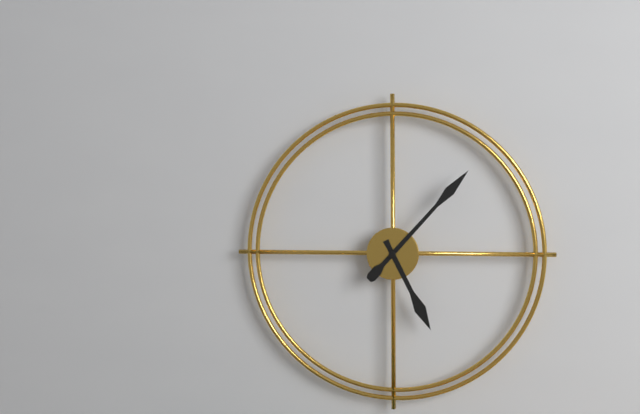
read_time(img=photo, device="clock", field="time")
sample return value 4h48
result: 5h07
